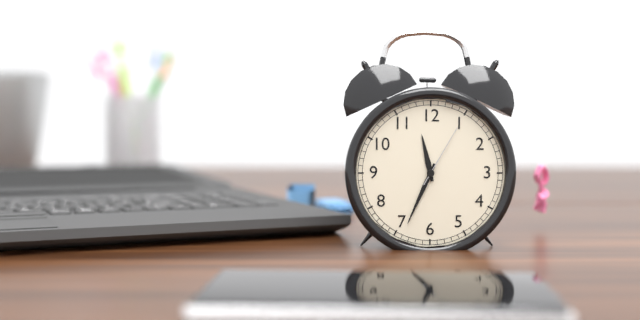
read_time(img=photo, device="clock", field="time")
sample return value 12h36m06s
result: 11h34m05s
